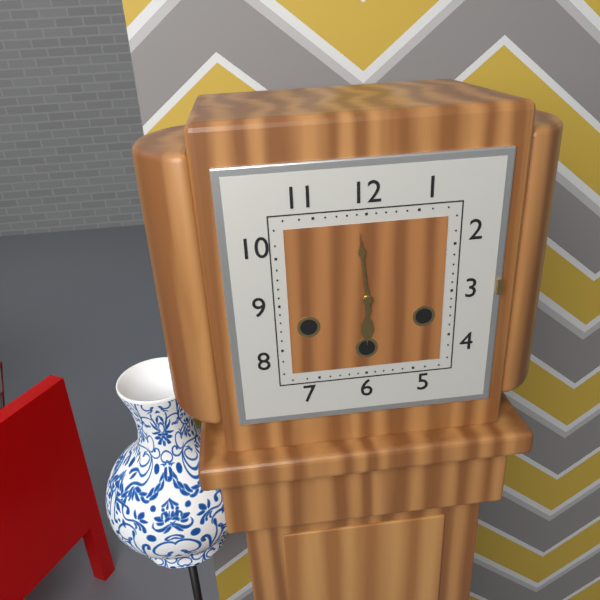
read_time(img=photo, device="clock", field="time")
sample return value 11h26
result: 5h59
